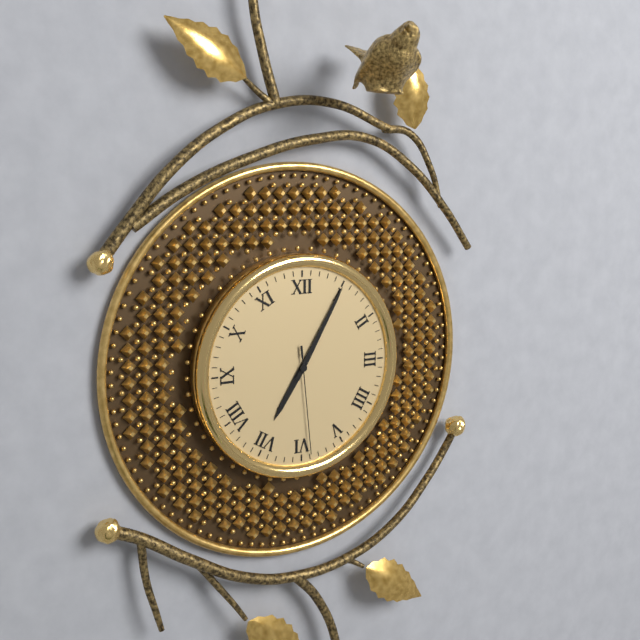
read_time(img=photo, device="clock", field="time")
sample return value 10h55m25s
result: 7h05m29s
